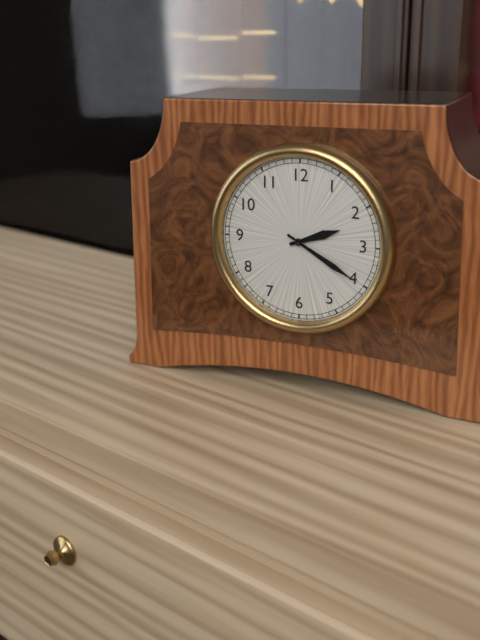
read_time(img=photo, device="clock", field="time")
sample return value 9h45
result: 2h20
